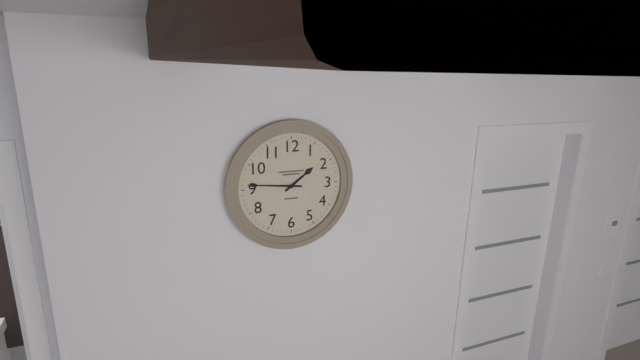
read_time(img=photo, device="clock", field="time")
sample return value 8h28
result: 1h46
